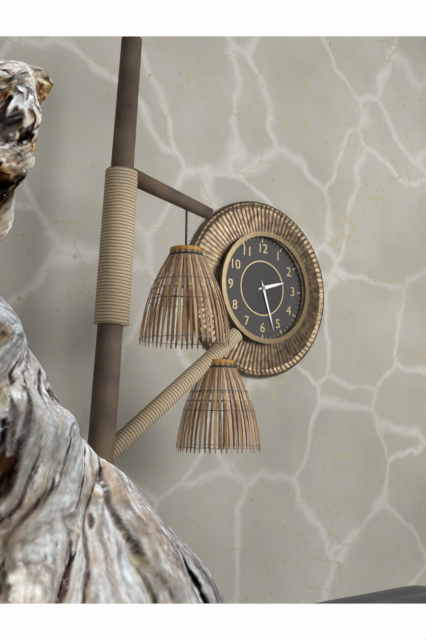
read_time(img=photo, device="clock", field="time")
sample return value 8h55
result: 2h27
